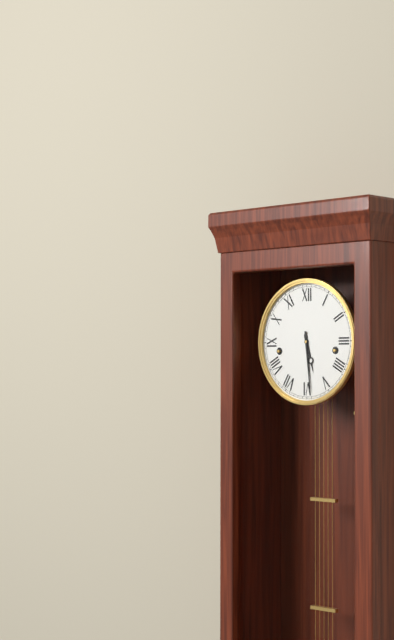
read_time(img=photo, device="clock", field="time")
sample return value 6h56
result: 5h29
